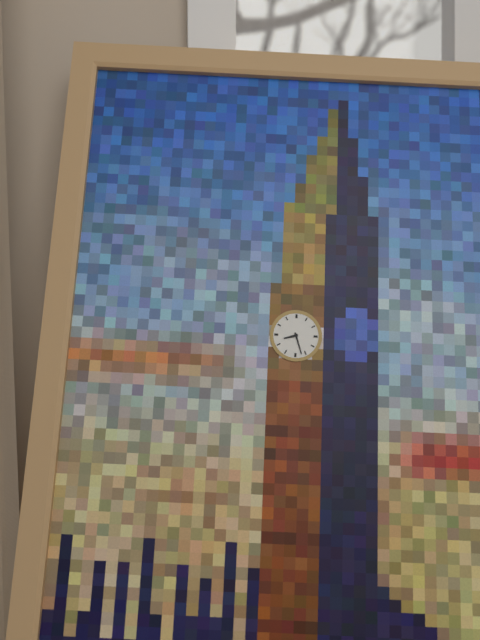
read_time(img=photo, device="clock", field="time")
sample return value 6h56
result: 8h27
